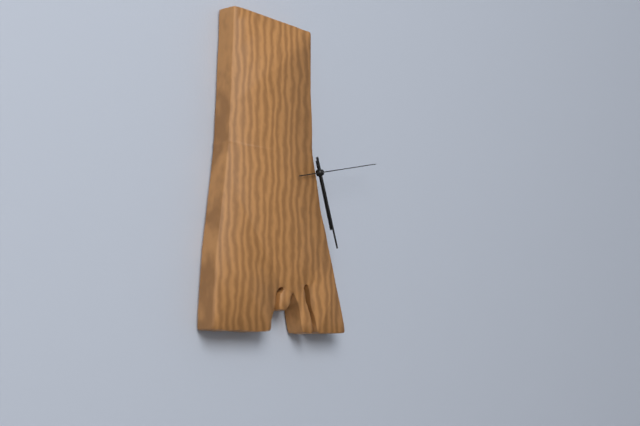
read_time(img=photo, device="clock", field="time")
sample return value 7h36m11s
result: 5h27m13s
